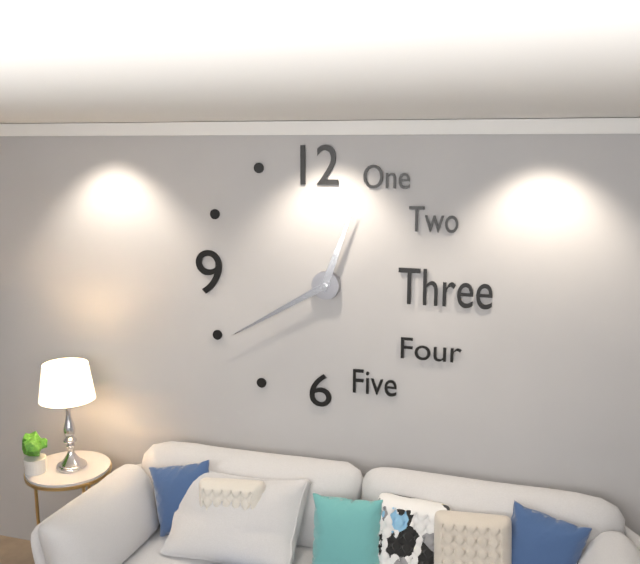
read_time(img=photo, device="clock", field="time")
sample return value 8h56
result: 12h40
